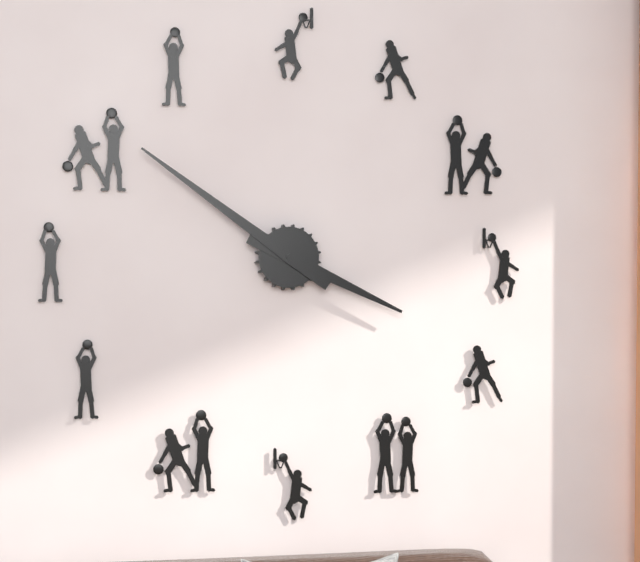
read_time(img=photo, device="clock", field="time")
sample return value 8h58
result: 3h51
